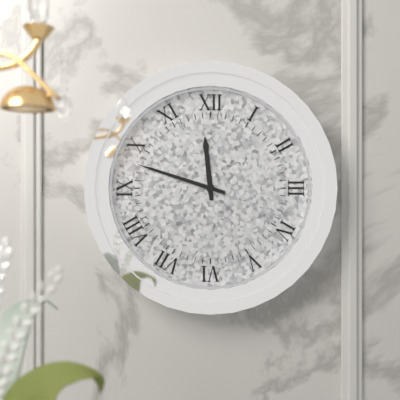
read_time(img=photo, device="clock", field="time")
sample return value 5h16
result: 11h48
